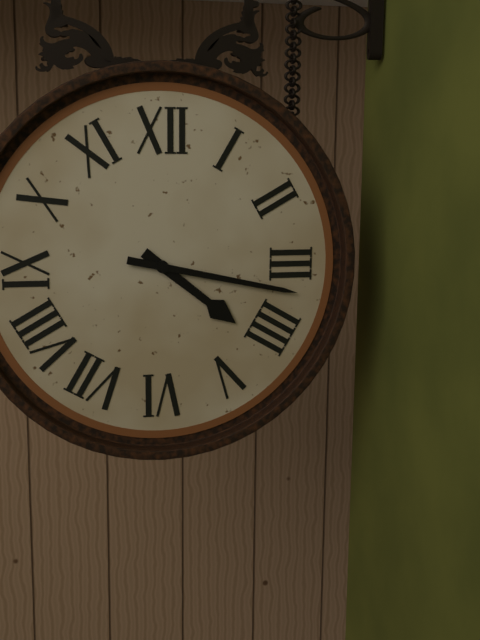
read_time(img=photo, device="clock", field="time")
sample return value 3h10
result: 4h17
